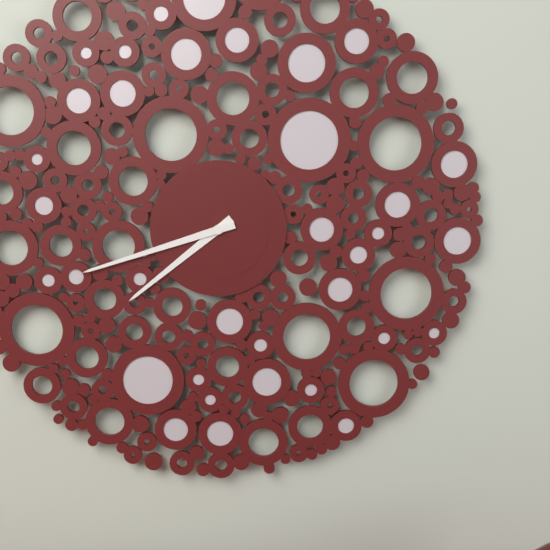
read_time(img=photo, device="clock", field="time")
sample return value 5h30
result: 7h42
